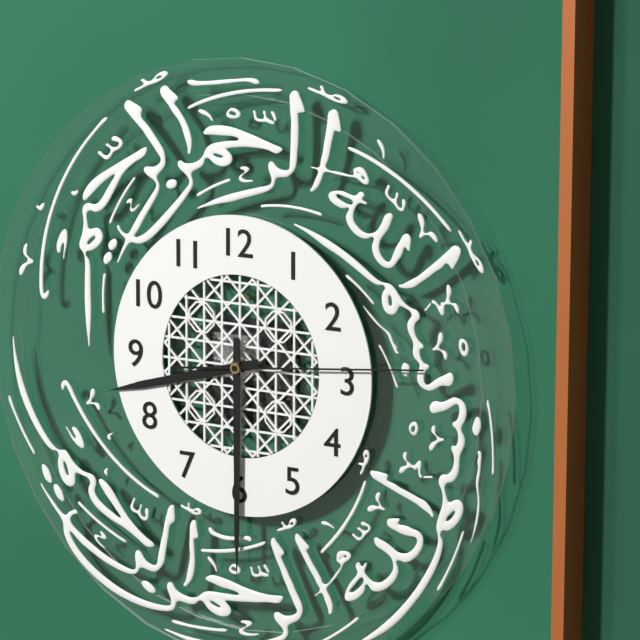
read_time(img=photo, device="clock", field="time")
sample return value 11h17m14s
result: 8h30m14s
